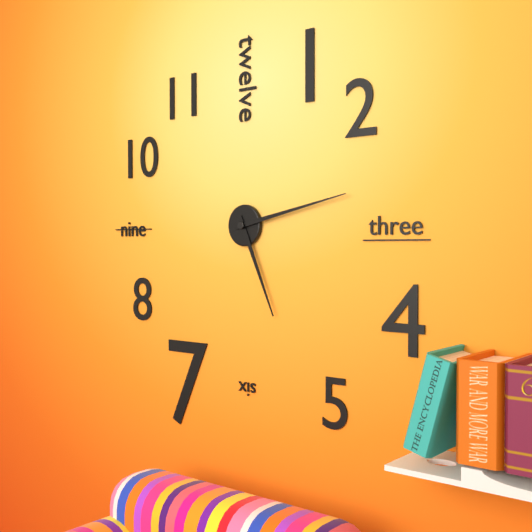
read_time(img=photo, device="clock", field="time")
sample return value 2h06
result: 5h13
